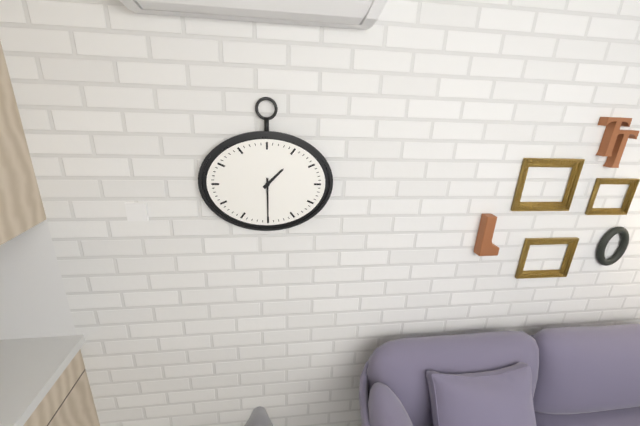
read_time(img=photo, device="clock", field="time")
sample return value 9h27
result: 1h30
